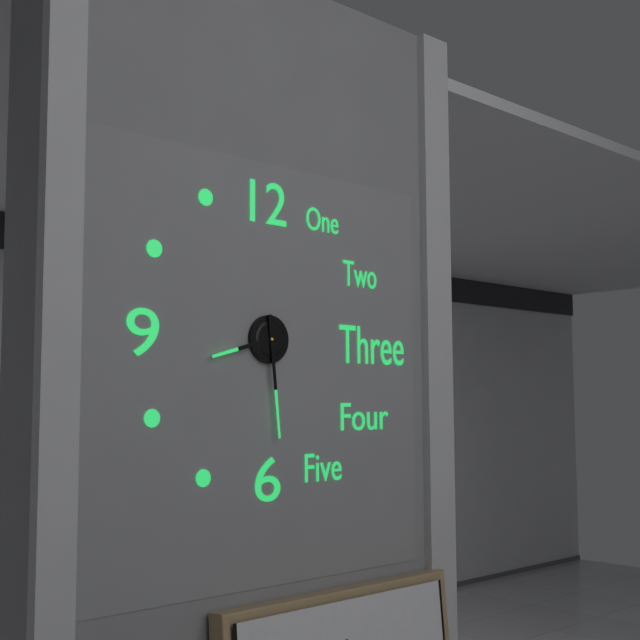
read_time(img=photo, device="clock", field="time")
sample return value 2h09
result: 8h29
